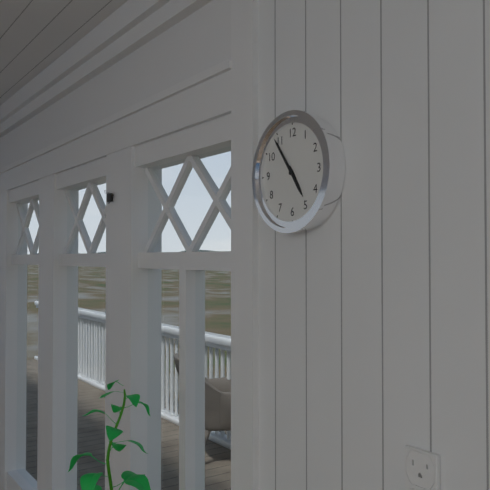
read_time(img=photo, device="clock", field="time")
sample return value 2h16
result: 4h54
